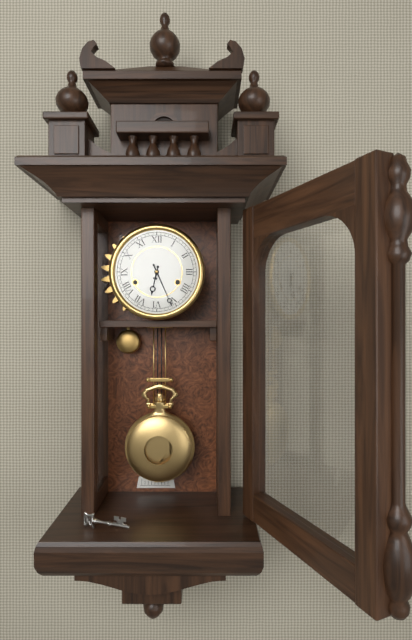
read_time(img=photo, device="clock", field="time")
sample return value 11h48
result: 6h26
